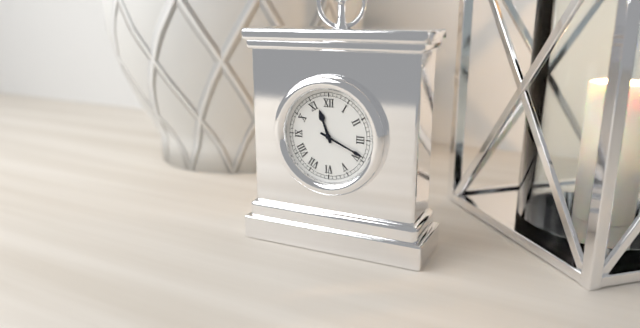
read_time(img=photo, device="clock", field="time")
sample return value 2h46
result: 11h19
